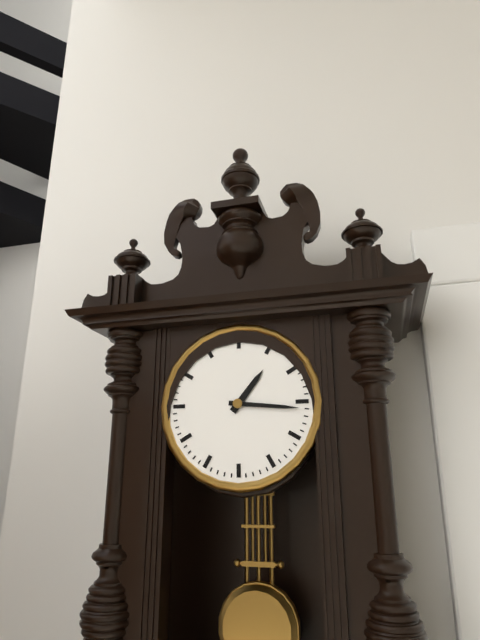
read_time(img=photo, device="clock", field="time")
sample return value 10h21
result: 1h16
